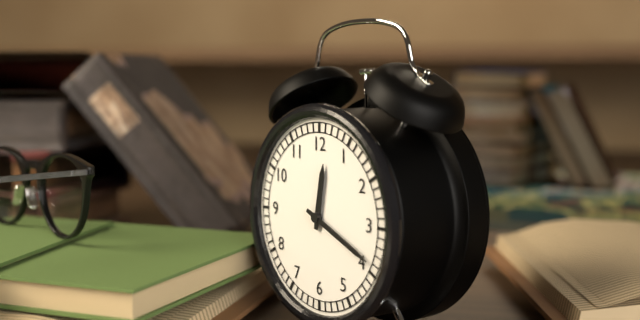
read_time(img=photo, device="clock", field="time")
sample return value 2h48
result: 12h19
